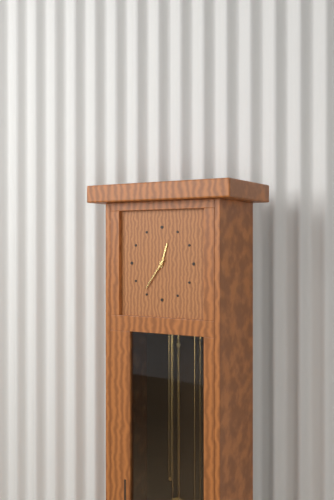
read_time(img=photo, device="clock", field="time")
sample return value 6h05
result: 12h36
